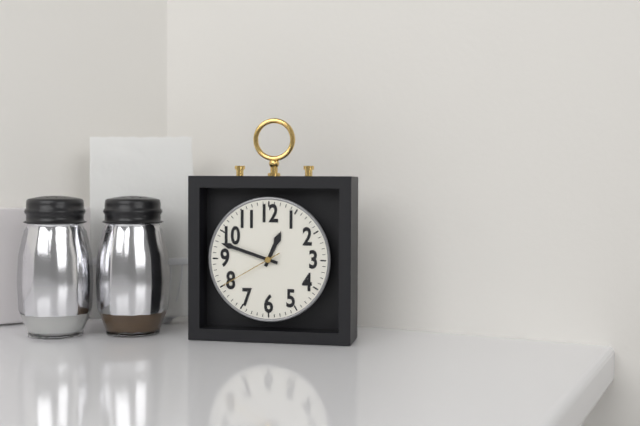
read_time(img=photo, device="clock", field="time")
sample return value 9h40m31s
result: 12h48m40s
